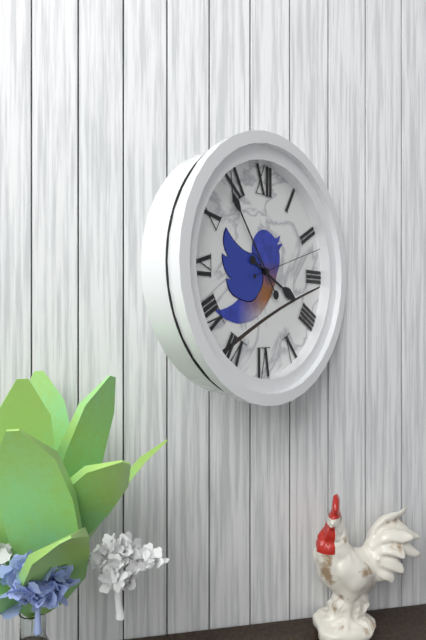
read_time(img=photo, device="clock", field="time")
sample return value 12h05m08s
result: 3h54m12s
